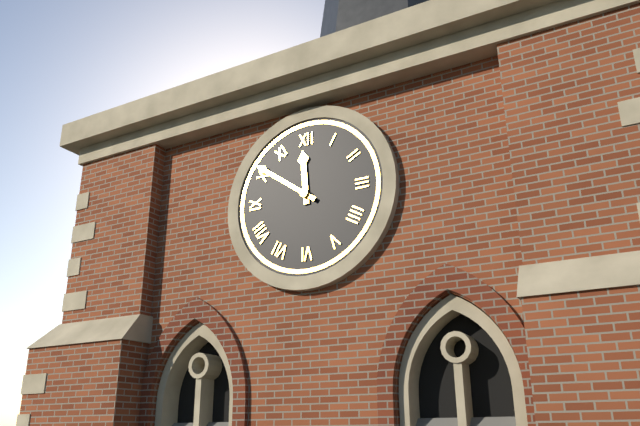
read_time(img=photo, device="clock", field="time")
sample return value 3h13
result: 11h51
